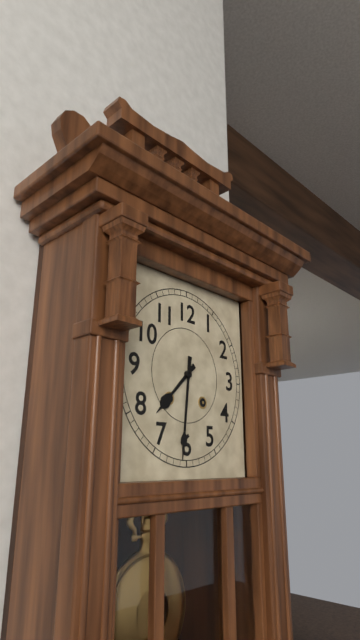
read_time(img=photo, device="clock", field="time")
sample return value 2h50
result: 7h31
